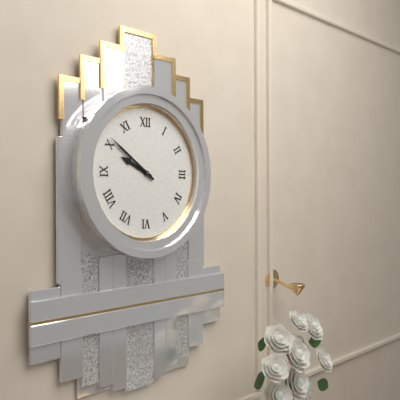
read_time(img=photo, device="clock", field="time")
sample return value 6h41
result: 9h51
